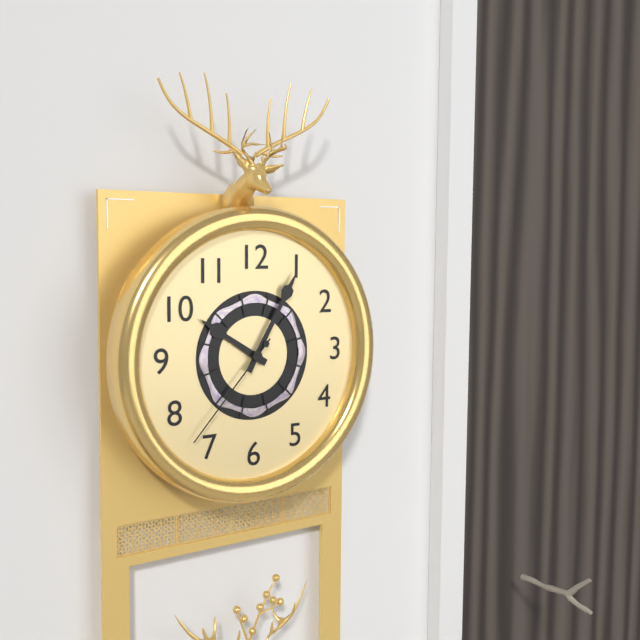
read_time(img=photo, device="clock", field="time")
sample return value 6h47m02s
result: 10h05m37s
